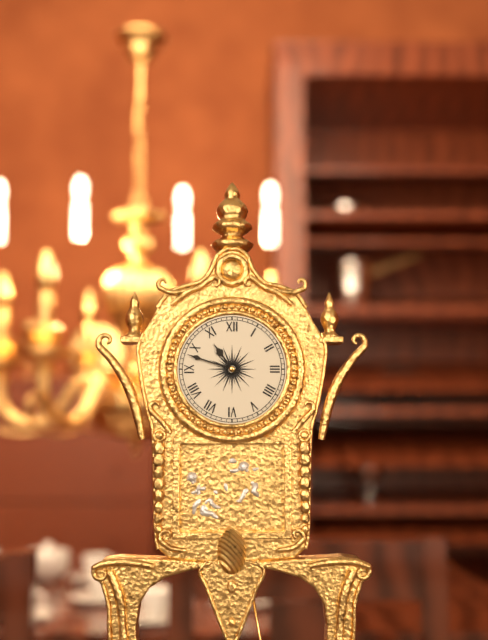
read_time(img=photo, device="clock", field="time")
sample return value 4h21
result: 10h48
